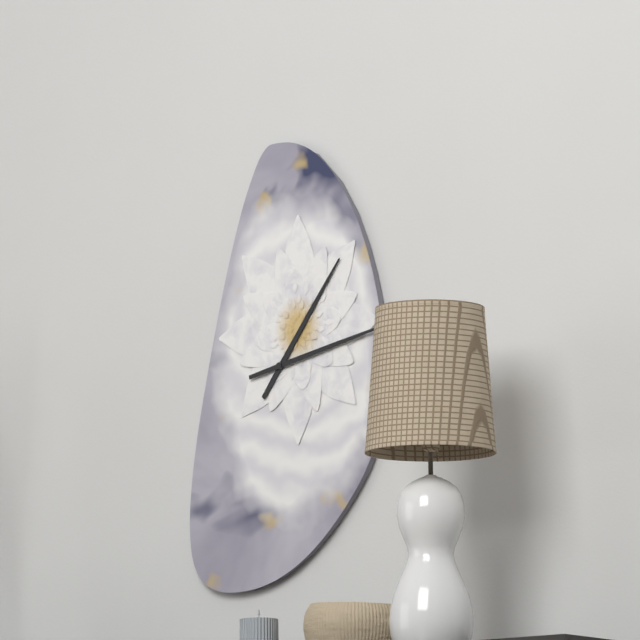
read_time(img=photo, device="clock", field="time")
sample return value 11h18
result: 1h13
